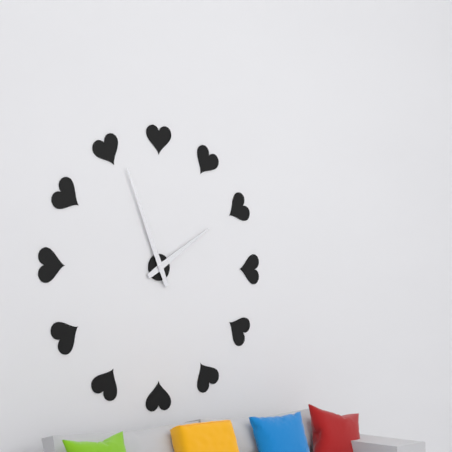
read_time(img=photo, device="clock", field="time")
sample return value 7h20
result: 1h56
